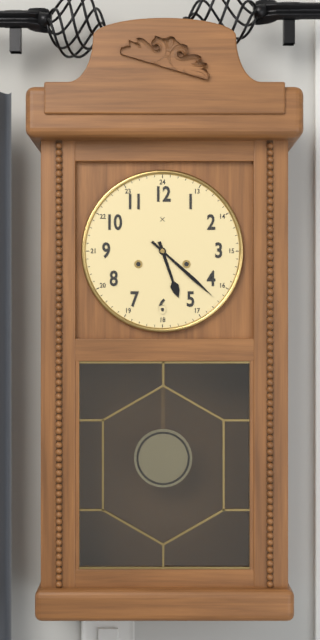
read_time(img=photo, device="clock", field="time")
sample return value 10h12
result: 5h22
